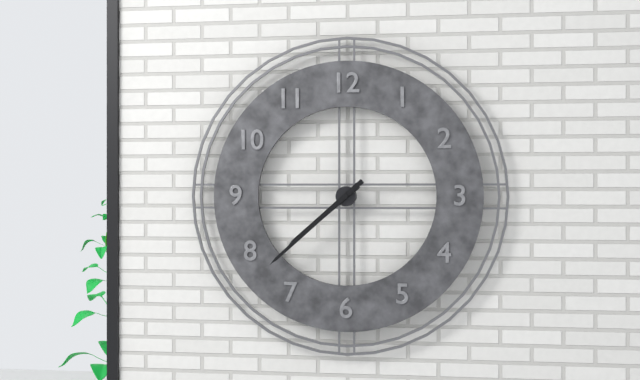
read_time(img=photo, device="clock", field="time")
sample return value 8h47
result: 7h38
